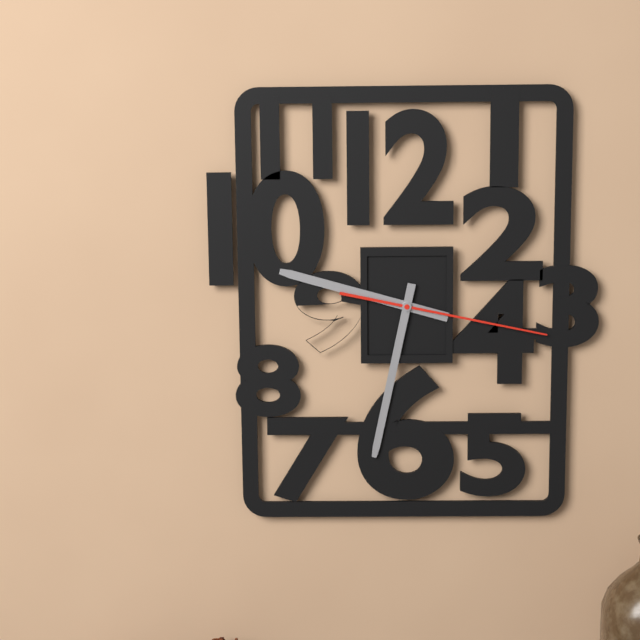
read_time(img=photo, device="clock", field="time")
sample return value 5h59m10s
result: 9h32m17s
